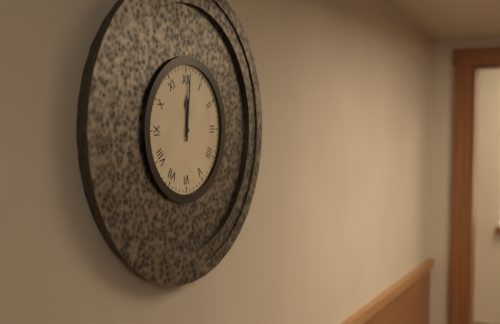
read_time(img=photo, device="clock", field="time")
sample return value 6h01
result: 12h01
